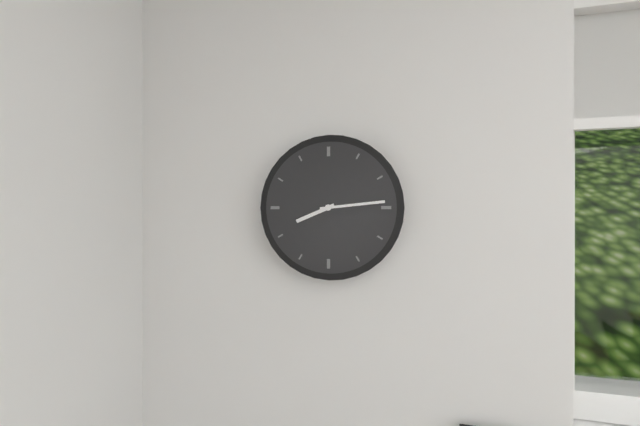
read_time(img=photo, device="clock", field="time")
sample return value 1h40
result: 8h14
